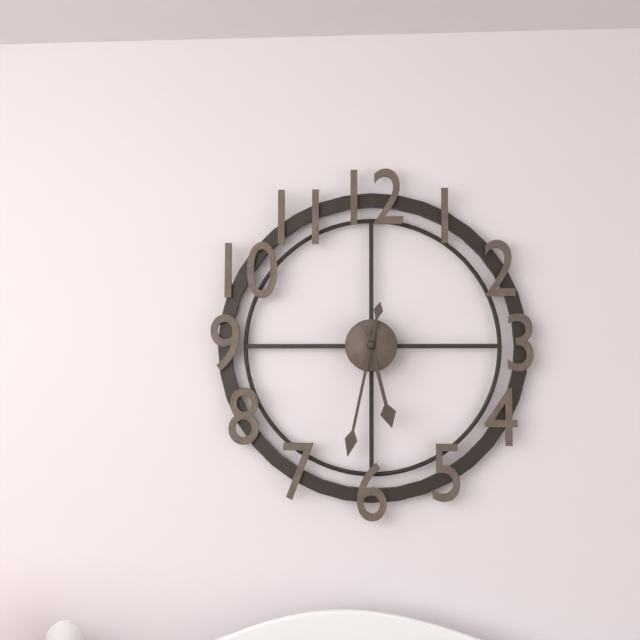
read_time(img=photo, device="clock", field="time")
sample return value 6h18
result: 5h32
